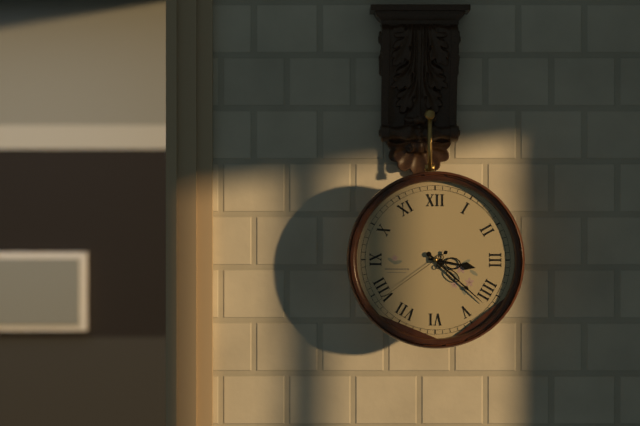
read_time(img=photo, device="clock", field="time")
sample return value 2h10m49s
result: 3h22m39s
